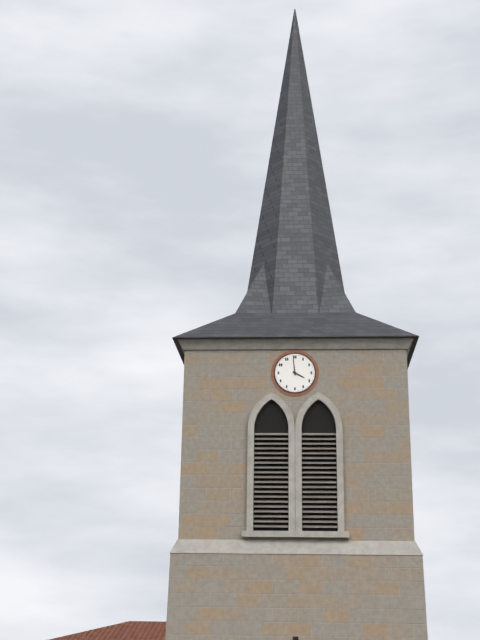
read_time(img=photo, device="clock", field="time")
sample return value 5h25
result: 3h59
